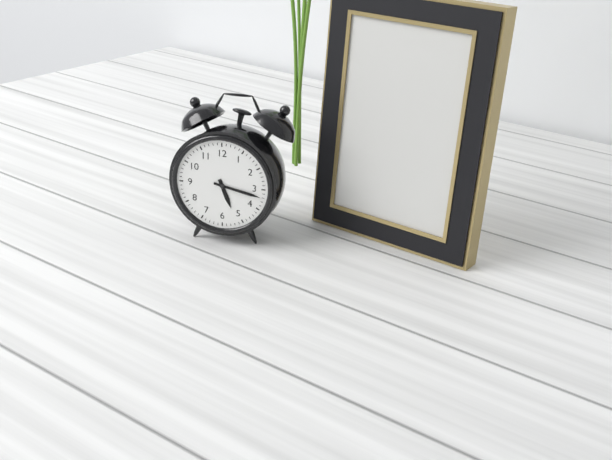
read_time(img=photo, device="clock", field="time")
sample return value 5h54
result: 5h17
